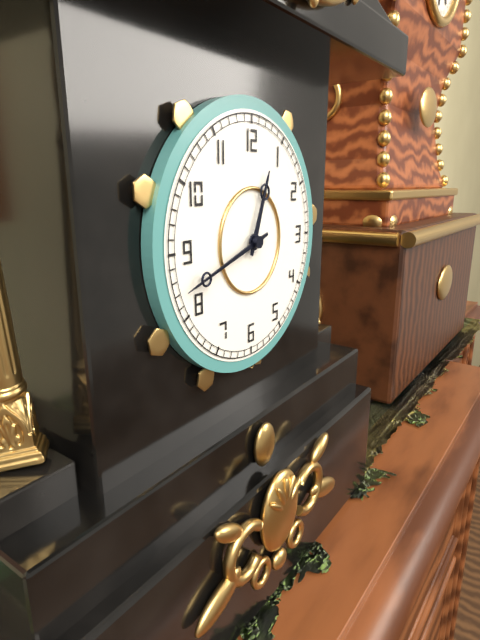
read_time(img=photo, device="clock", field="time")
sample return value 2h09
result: 12h42
